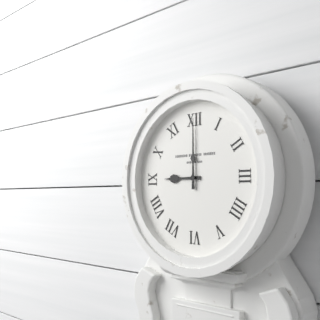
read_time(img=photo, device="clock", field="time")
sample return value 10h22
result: 9h00
